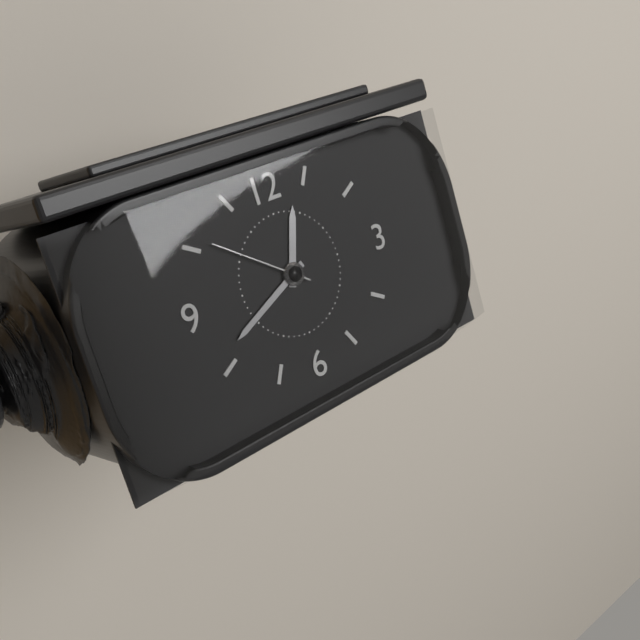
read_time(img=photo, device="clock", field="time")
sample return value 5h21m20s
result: 12h41m51s
